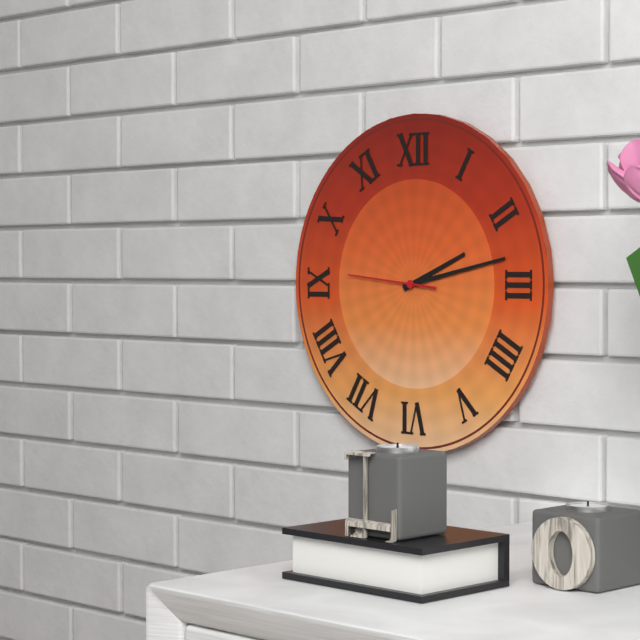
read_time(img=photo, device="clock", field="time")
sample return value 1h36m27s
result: 2h13m46s
